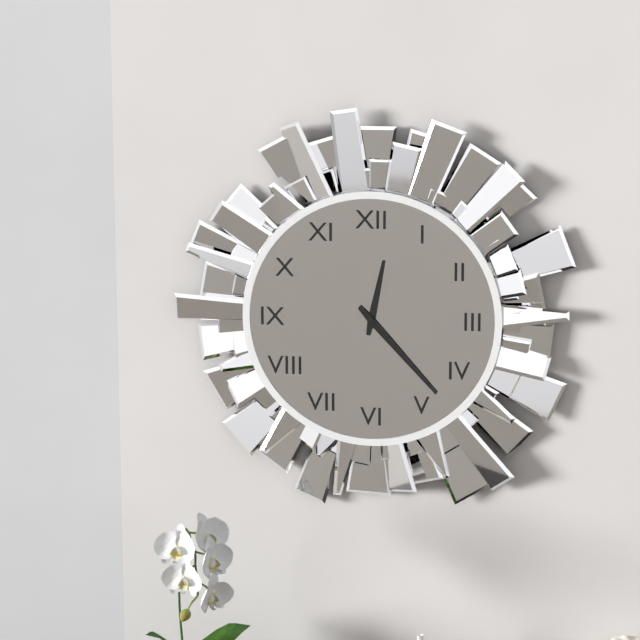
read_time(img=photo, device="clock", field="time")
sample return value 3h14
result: 12h23
